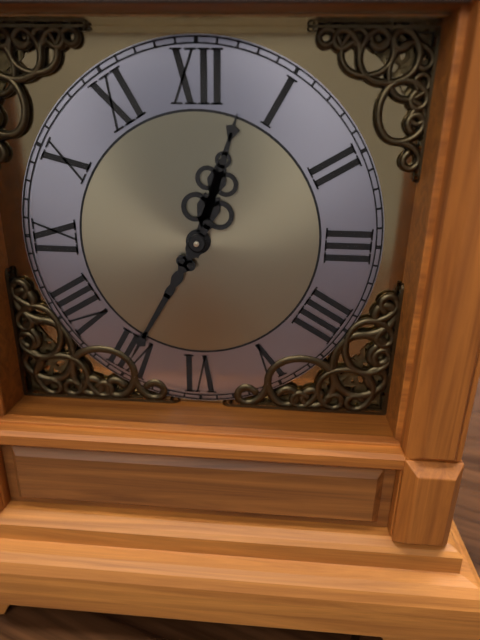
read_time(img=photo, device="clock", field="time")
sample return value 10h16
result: 12h35
